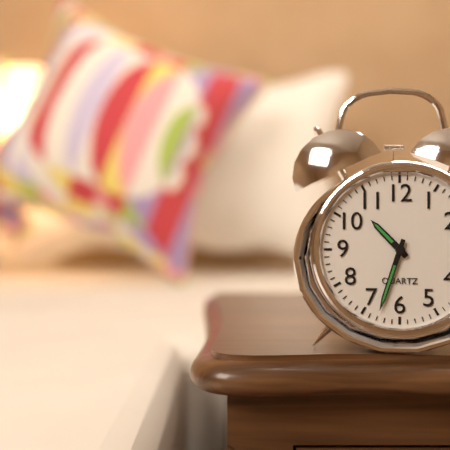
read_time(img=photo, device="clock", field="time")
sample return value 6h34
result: 10h33
